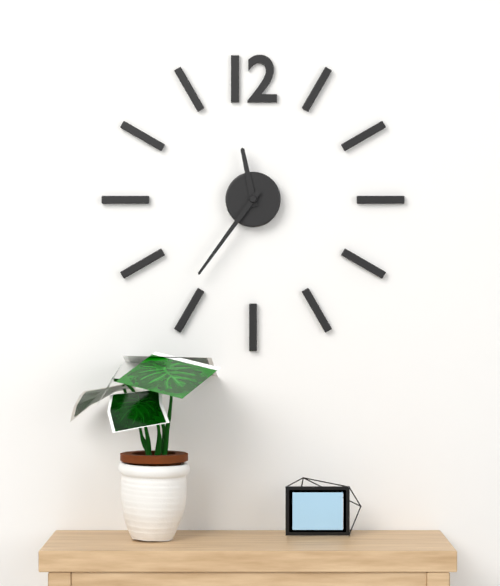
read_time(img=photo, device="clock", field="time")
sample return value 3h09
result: 11h36
